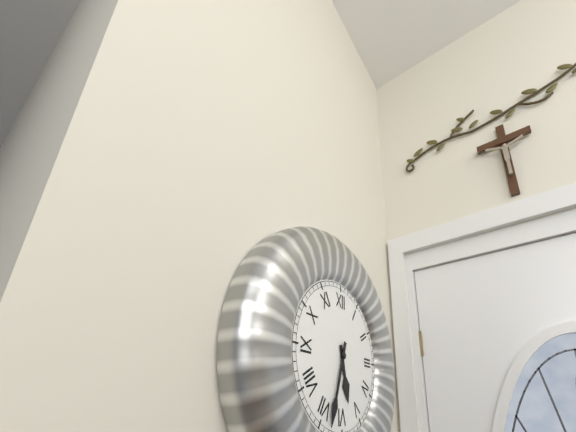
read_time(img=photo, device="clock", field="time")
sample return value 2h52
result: 5h33
